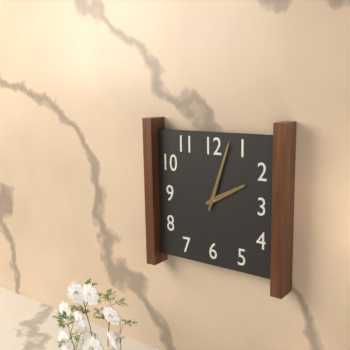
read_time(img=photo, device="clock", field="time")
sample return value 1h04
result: 2h03
